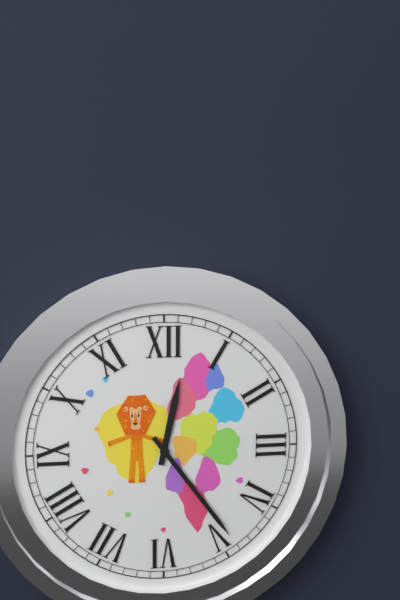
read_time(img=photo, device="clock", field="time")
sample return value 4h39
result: 12h24
